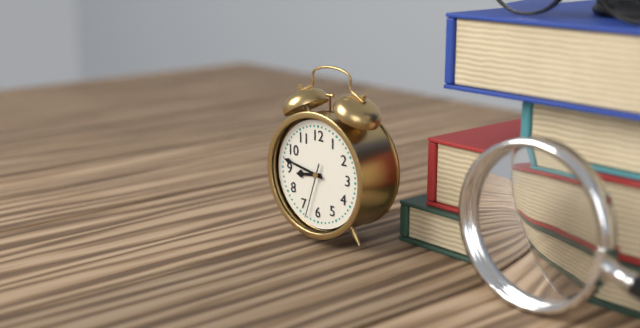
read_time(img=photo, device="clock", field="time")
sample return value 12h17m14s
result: 8h47m33s
